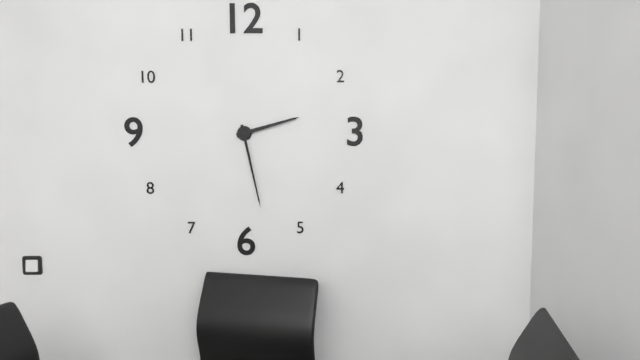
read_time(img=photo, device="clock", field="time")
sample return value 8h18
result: 2h28
